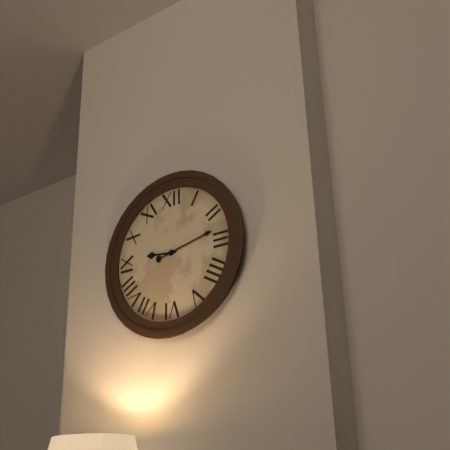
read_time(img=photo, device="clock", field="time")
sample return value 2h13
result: 9h13
